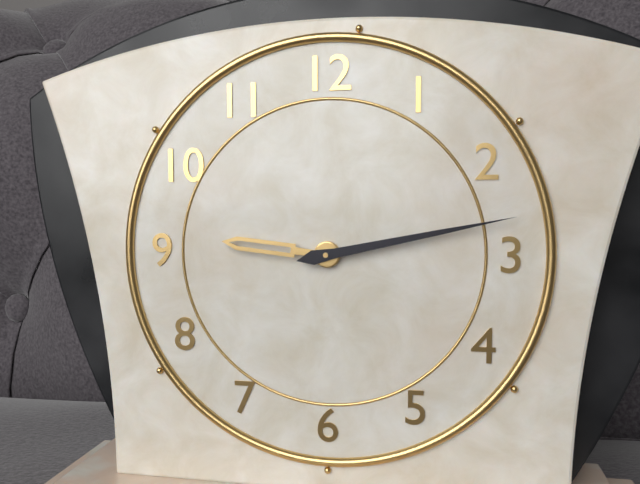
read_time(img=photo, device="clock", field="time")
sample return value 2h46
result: 9h13
